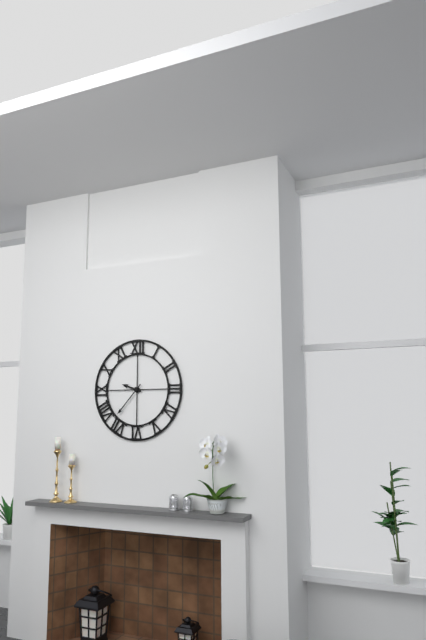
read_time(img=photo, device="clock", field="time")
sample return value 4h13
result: 9h37
